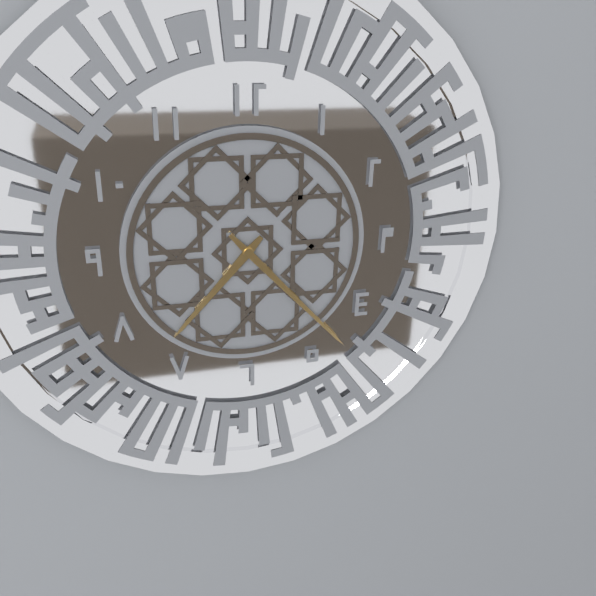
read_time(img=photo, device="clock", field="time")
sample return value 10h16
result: 7h23
